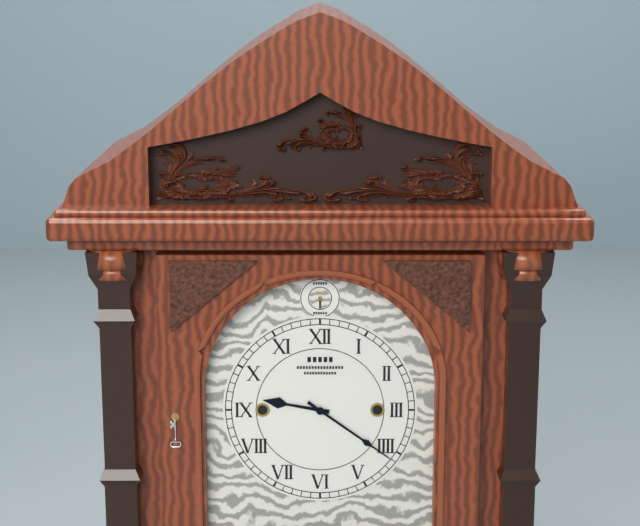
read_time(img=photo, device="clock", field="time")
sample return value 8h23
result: 9h21
